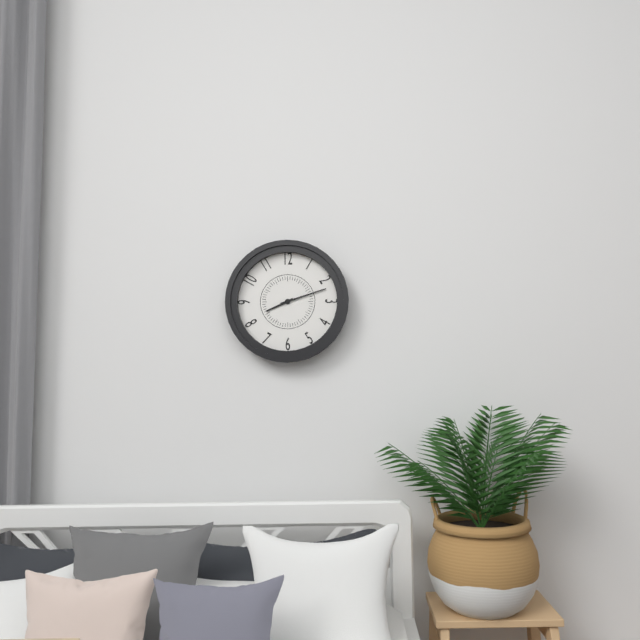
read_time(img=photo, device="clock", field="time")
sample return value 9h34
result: 8h12
